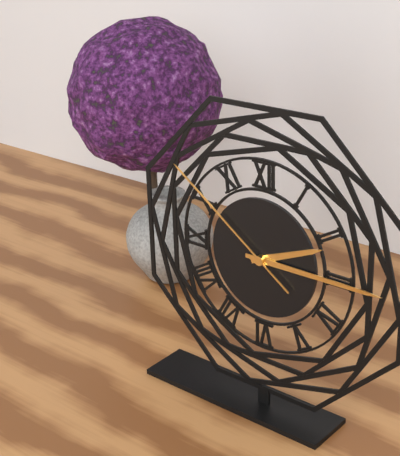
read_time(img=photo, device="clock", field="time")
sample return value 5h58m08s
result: 2h15m51s
